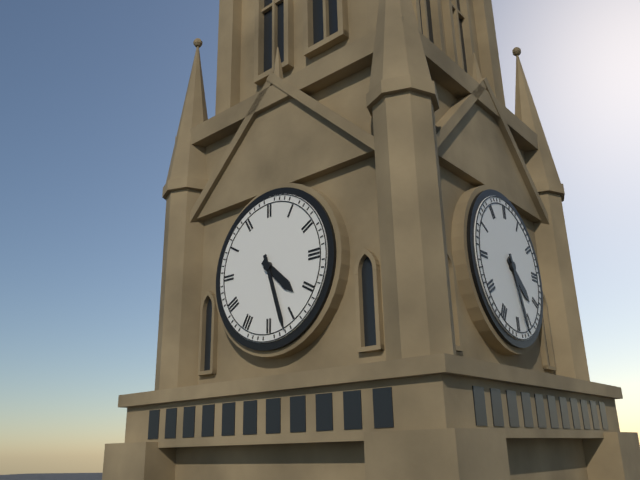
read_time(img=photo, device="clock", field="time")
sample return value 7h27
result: 4h27
